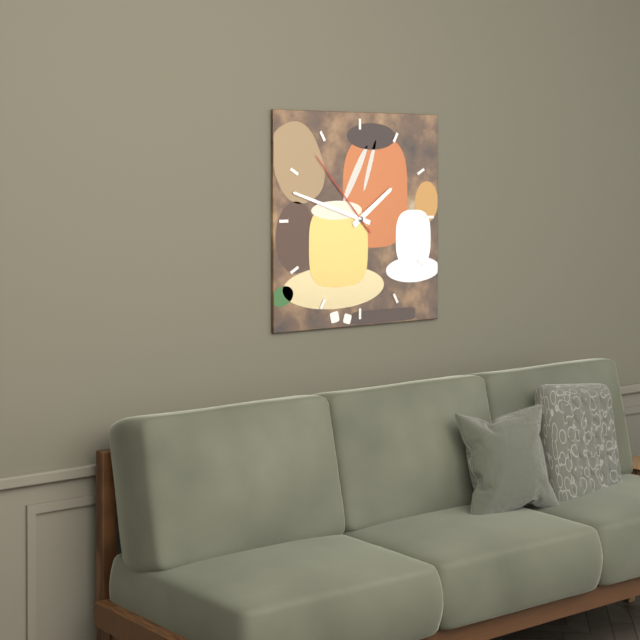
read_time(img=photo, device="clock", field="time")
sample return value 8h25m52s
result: 1h48m53s
